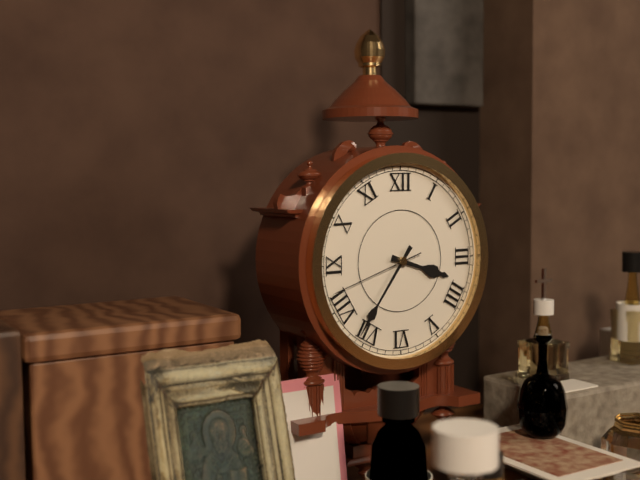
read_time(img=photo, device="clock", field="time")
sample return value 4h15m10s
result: 3h36m42s
